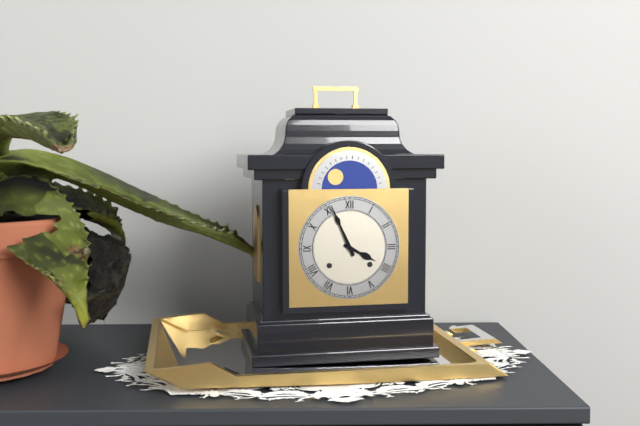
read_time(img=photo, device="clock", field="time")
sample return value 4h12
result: 3h56
